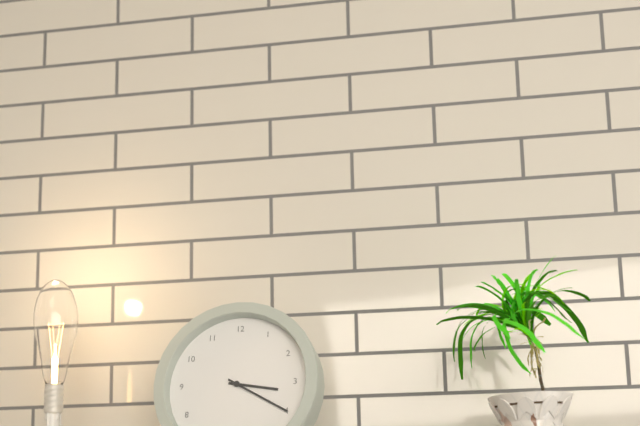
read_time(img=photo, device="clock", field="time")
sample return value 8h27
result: 3h20
